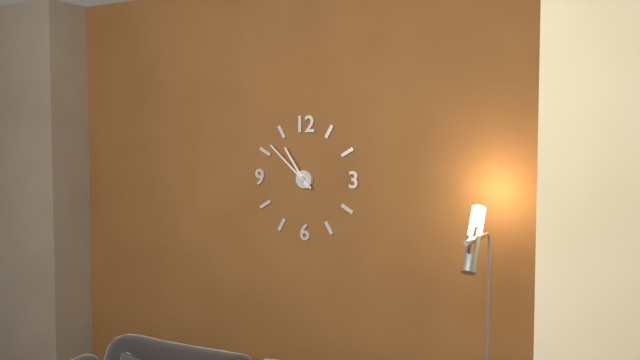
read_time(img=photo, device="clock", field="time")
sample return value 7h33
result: 10h52
